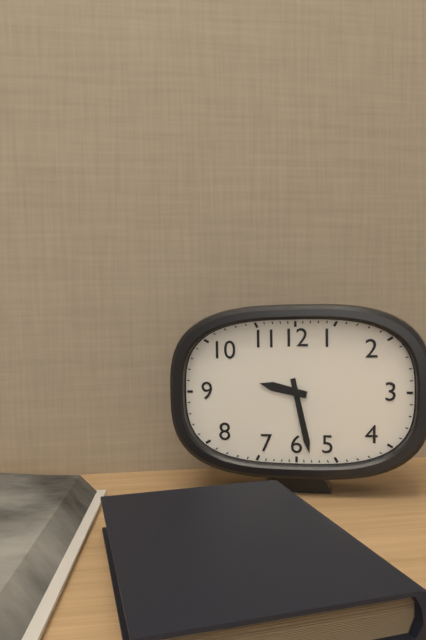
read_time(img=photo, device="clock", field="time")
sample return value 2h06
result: 9h28
